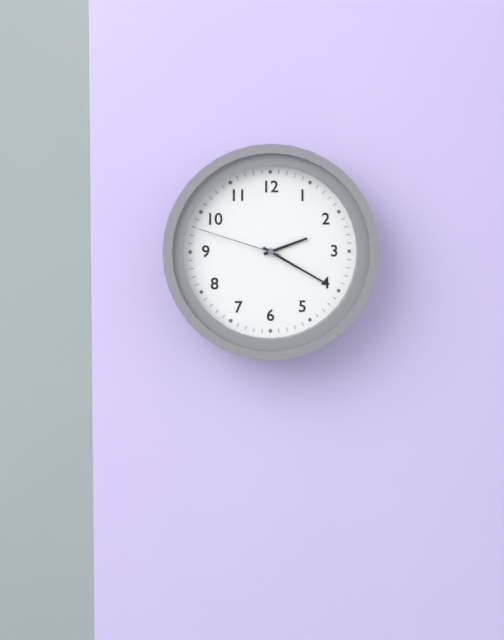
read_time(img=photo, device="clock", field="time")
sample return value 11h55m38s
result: 2h20m48s
